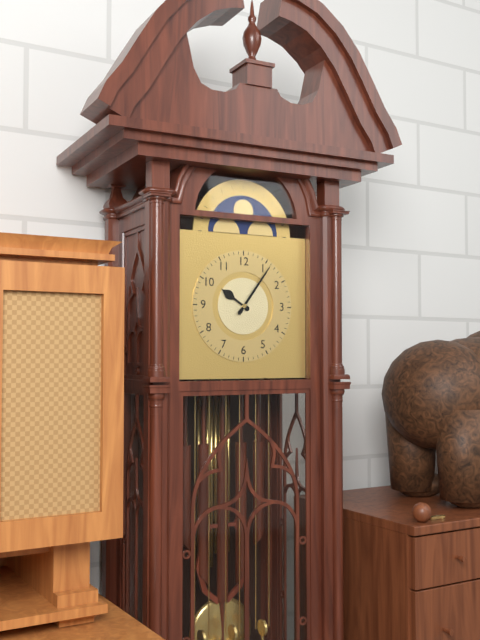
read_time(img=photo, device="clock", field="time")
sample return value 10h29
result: 10h06
